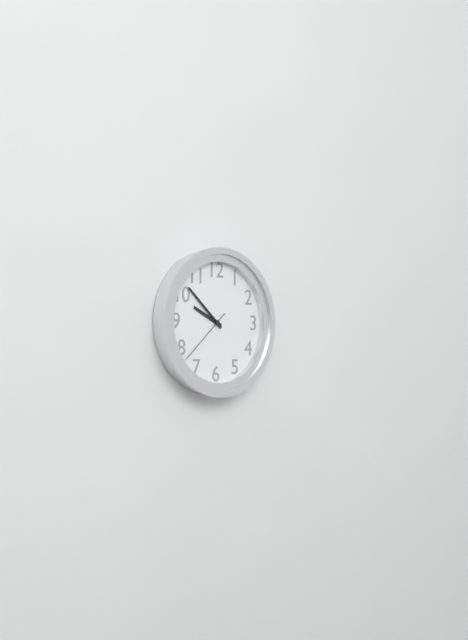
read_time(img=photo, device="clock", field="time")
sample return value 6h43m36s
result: 9h52m38s
